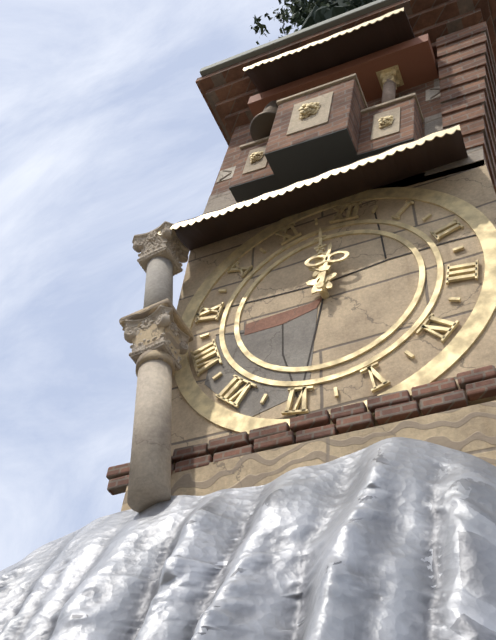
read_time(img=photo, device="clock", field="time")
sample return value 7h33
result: 11h58
